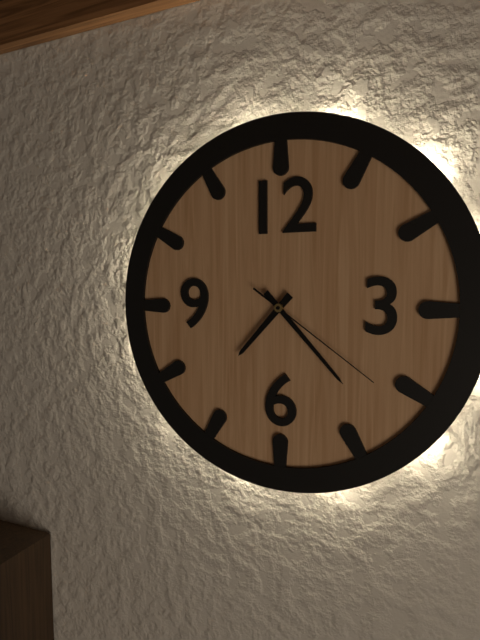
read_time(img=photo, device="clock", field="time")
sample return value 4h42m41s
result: 7h23m21s
